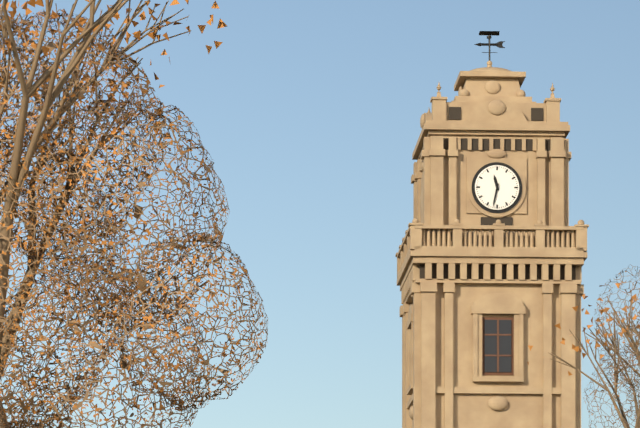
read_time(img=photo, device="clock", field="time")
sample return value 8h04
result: 11h32
